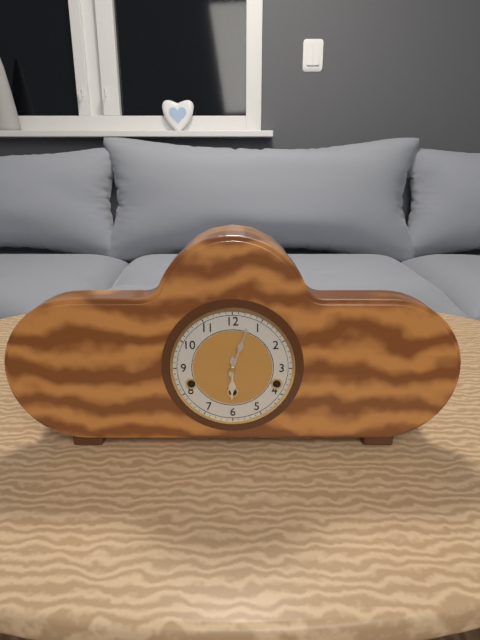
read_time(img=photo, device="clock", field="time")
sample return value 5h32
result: 6h03
